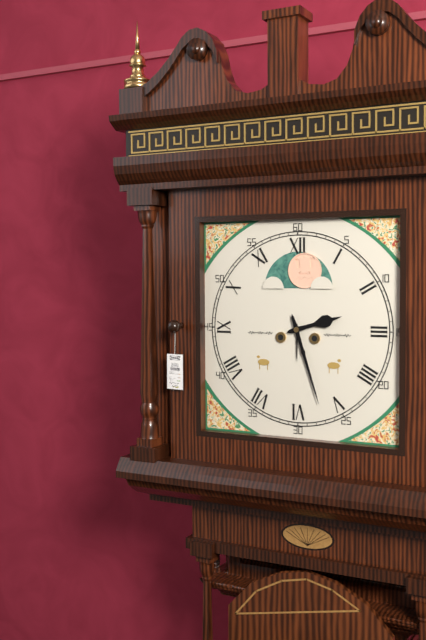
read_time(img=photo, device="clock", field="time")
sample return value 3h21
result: 2h27
